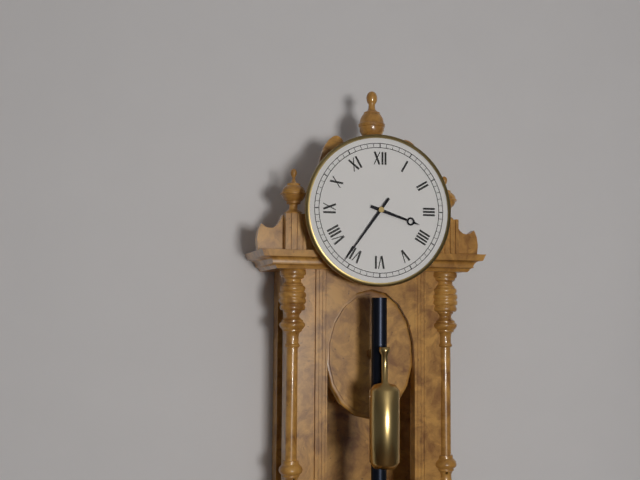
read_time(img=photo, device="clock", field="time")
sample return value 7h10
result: 3h36
